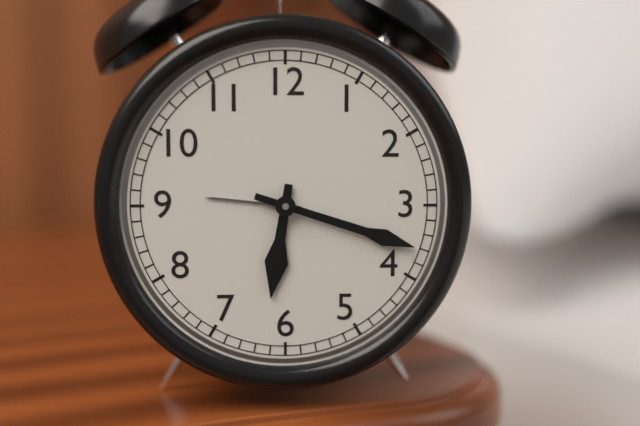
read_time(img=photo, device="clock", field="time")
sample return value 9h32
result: 6h18
